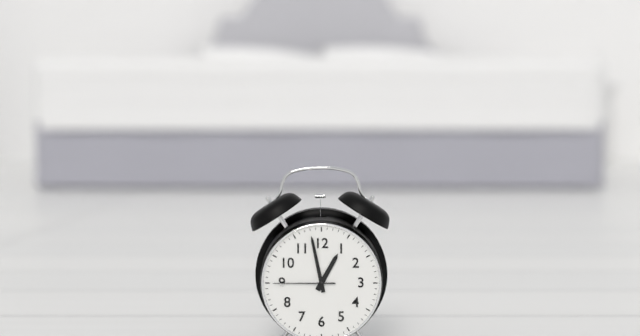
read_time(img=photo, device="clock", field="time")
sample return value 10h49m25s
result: 12h58m45s
